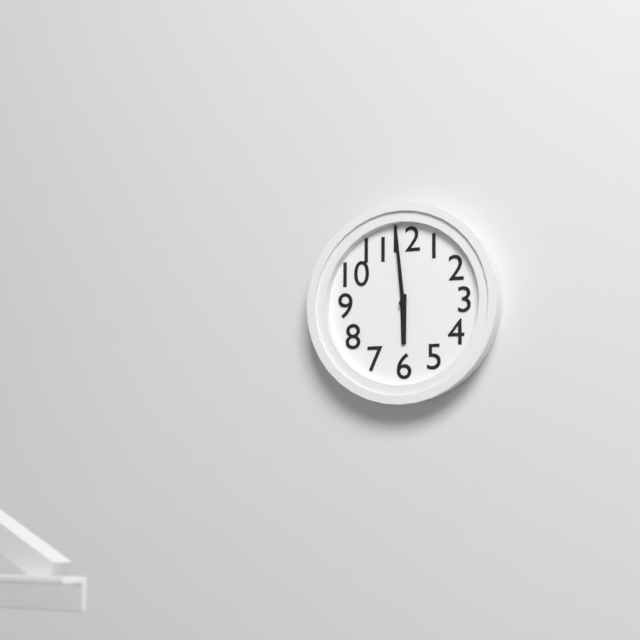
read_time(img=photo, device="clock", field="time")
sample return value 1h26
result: 5h59
